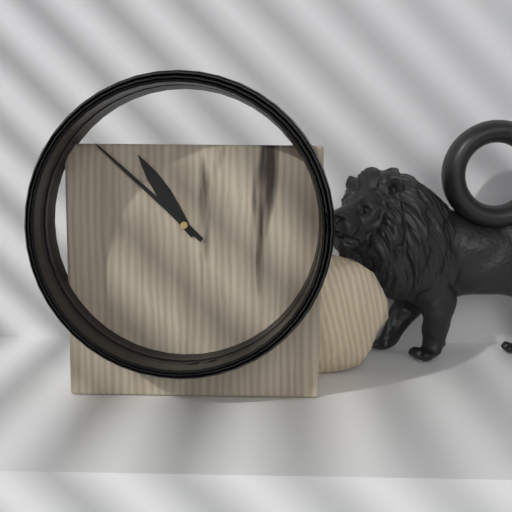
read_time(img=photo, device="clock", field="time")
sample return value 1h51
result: 10h52
